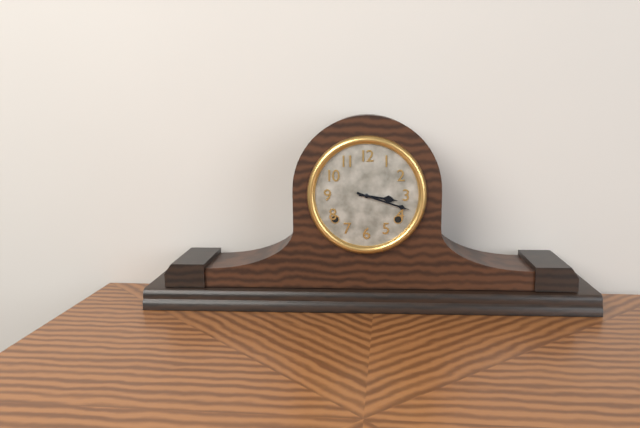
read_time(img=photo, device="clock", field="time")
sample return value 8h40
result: 3h18
